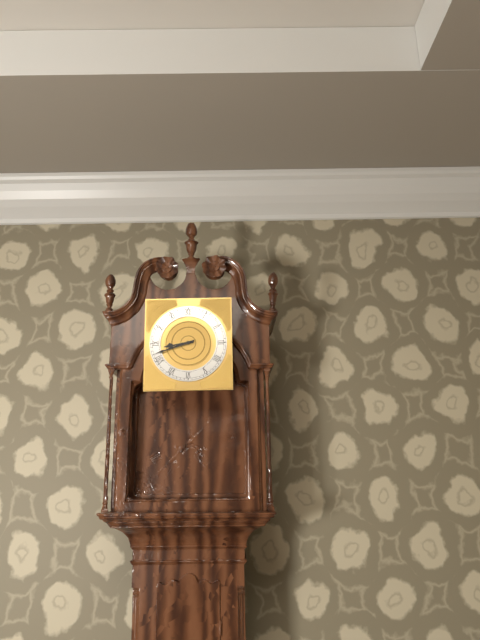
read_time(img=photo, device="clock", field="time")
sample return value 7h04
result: 8h42
